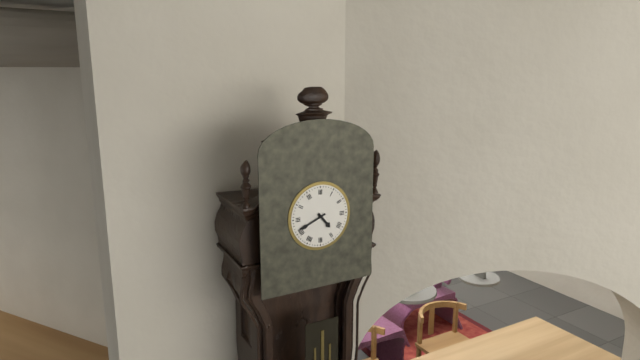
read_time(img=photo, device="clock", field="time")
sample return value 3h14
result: 4h41
